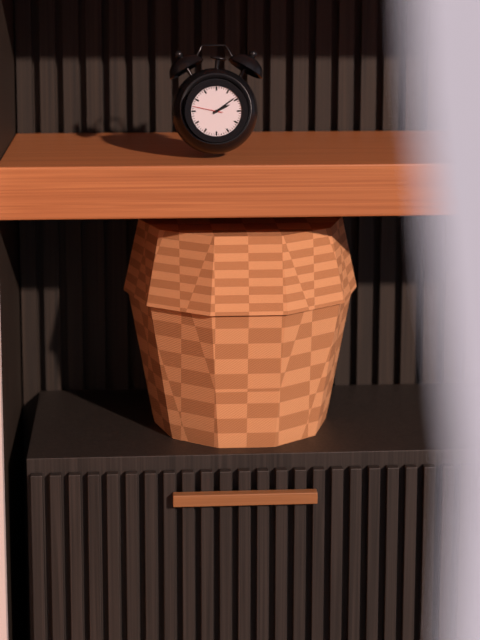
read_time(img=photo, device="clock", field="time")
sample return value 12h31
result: 2h09
